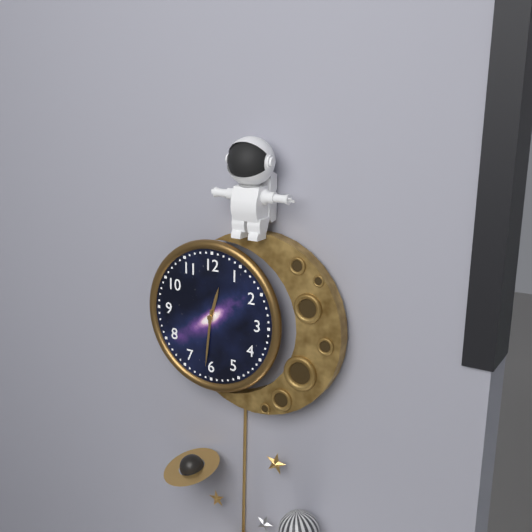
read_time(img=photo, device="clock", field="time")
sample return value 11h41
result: 12h31
